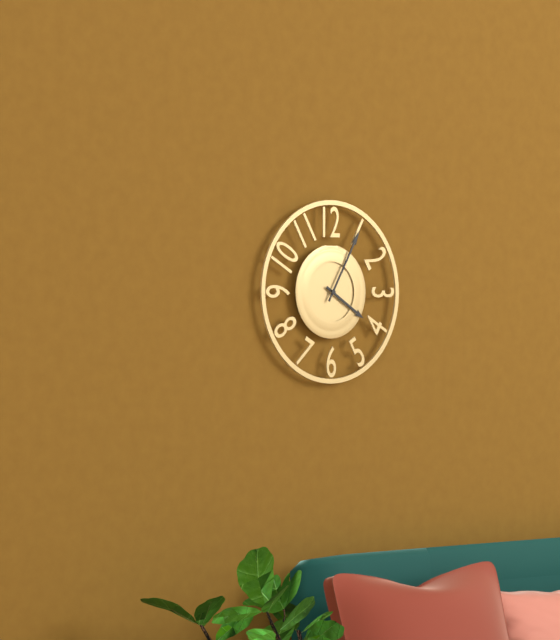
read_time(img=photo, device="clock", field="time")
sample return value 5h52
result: 4h05
